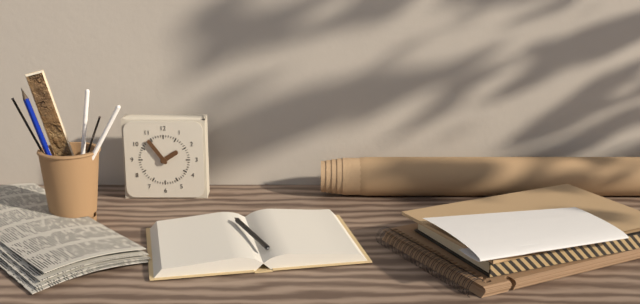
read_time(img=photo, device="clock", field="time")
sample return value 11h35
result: 1h54
